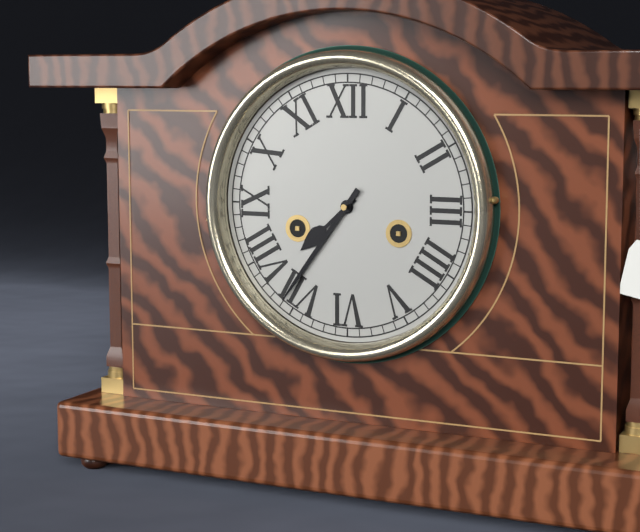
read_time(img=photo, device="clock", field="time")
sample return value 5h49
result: 7h36
